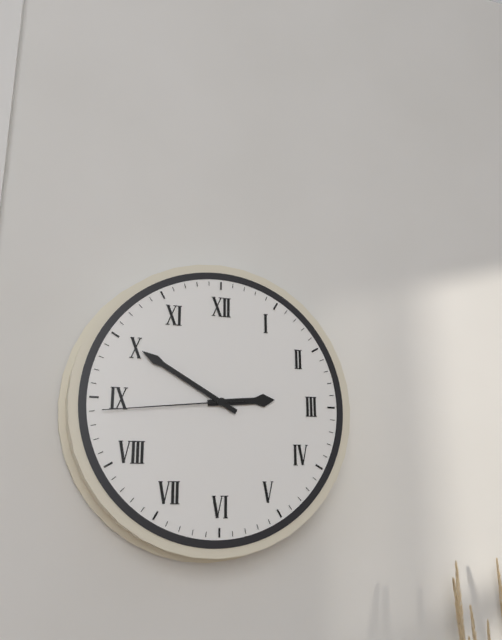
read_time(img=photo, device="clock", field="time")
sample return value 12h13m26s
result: 2h50m44s
